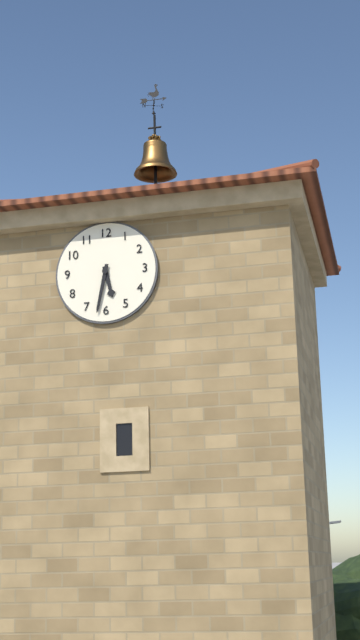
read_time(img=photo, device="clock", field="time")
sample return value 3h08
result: 5h32
